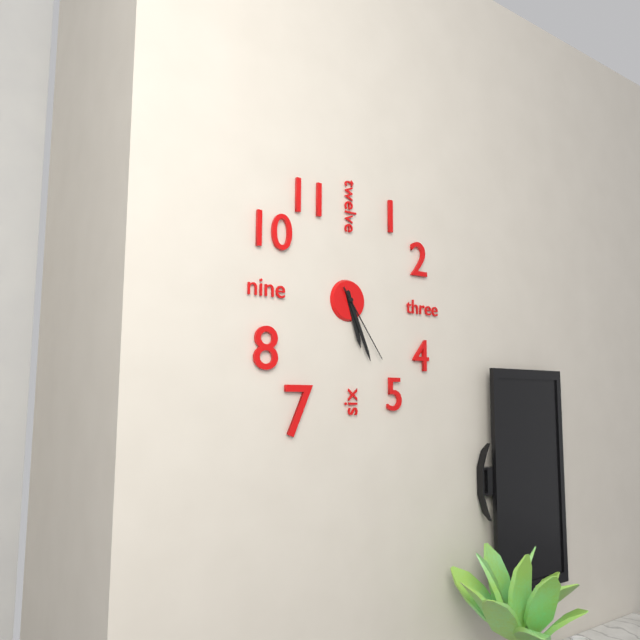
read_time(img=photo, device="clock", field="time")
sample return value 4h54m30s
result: 5h26m24s
